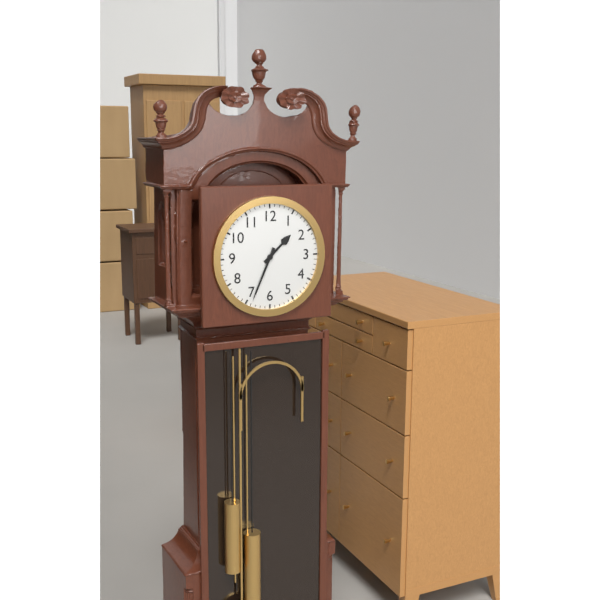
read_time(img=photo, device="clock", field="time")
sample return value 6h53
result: 1h34
